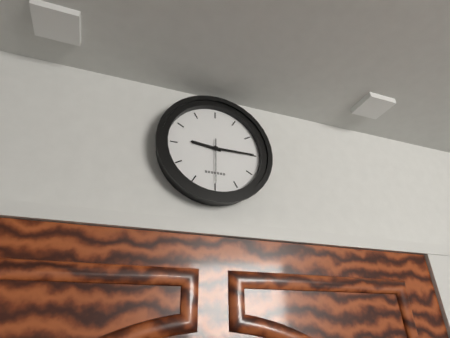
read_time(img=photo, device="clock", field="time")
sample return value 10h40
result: 9h15
